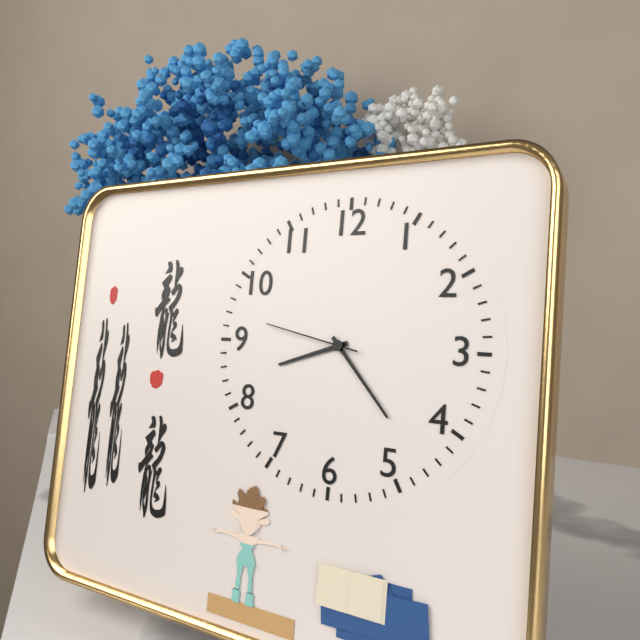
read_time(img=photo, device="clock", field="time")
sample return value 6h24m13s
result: 8h23m47s
